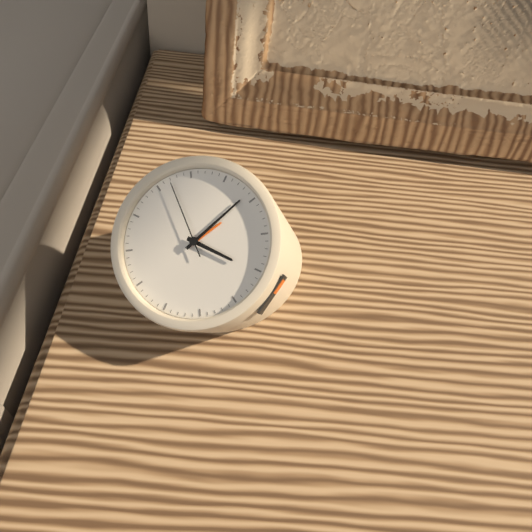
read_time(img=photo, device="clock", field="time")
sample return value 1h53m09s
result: 3h04m52s
